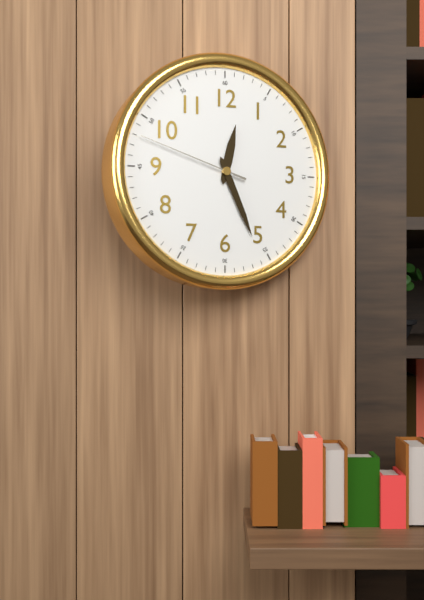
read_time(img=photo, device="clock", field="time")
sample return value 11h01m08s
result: 12h26m48s
